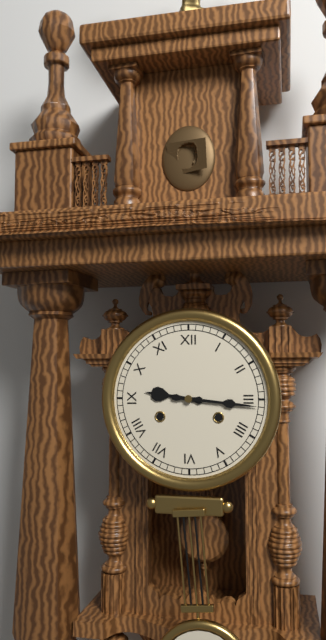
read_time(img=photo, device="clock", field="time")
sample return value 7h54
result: 9h16
